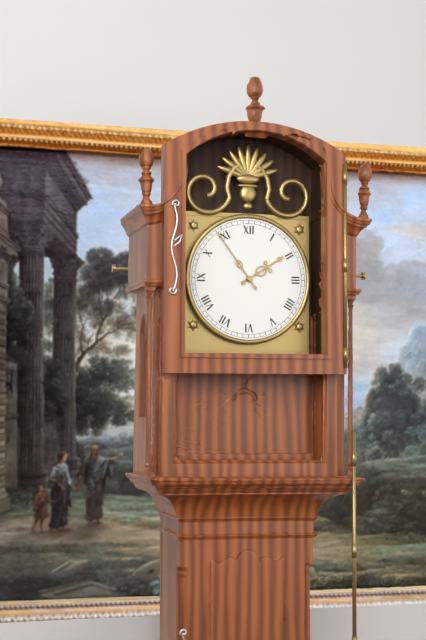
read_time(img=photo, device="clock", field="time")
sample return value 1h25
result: 1h54
